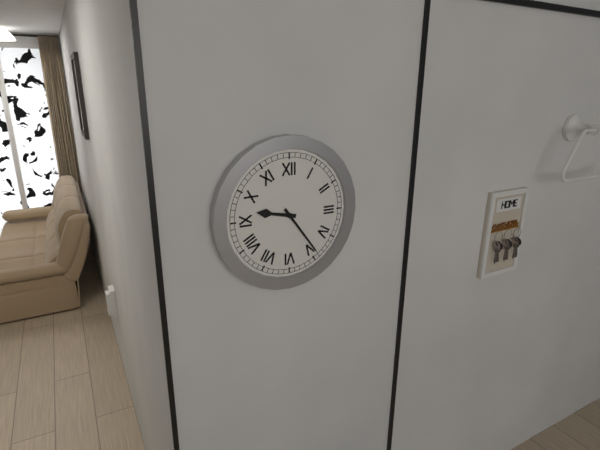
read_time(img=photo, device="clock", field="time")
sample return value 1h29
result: 9h24
